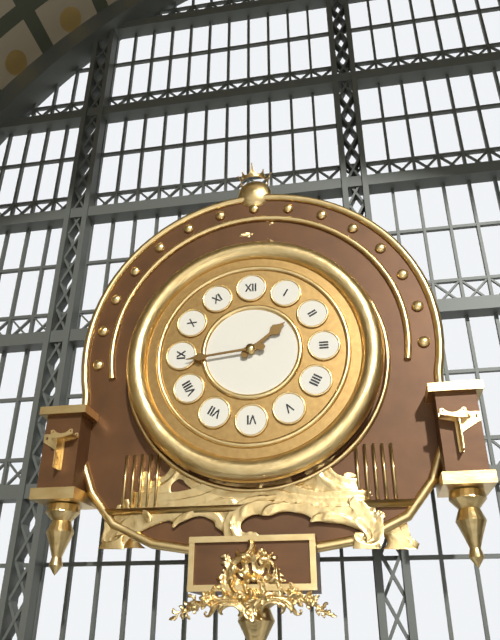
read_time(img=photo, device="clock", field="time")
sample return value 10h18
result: 1h44
